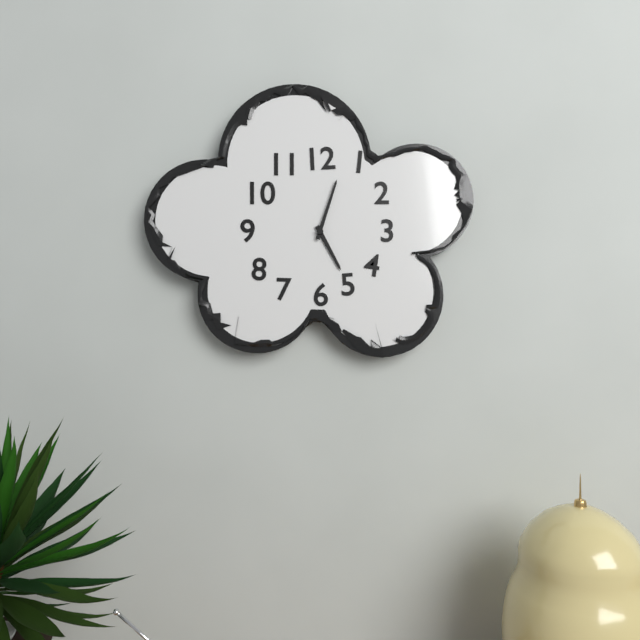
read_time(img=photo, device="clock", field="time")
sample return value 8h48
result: 5h03
